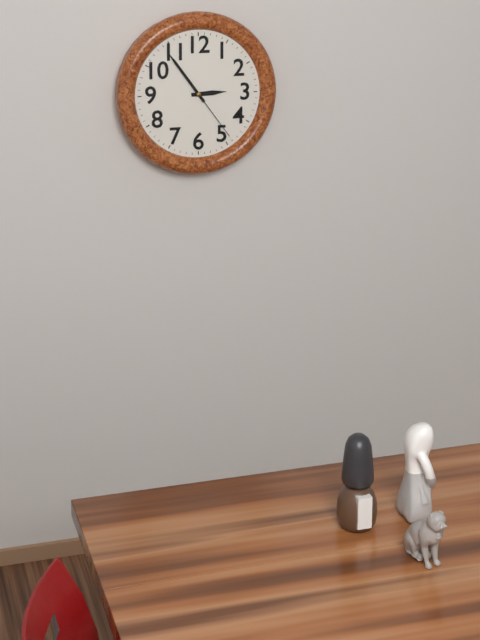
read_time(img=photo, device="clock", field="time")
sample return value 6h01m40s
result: 2h54m24s
